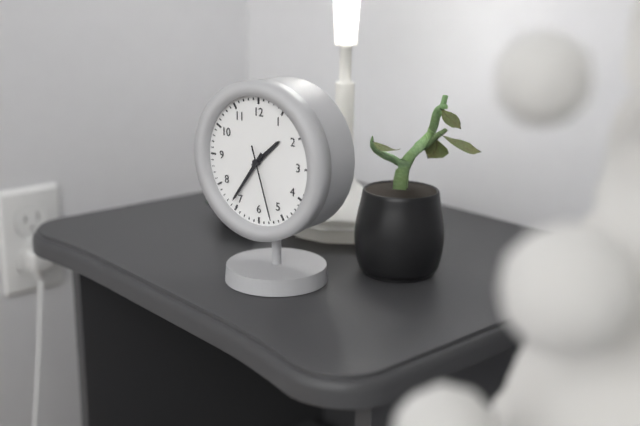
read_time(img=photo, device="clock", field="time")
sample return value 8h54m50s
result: 1h36m27s
